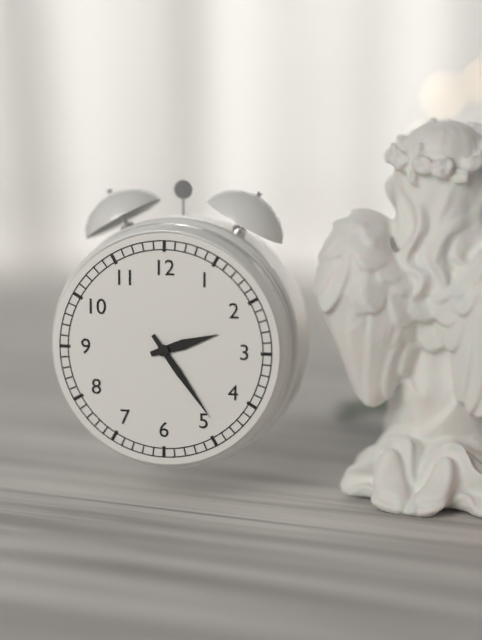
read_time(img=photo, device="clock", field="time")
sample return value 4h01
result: 2h24
